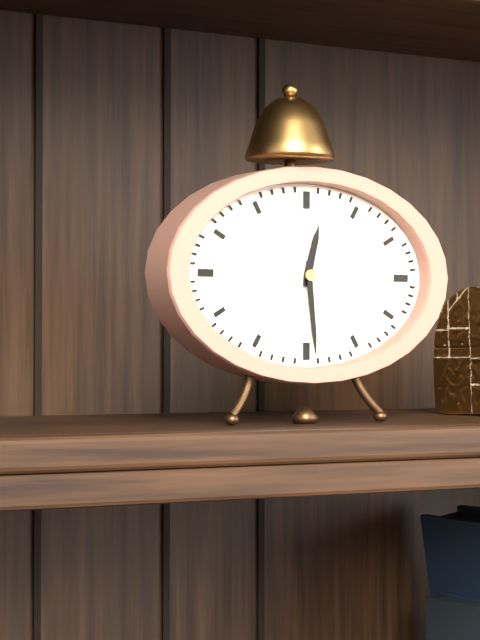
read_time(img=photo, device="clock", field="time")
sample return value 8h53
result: 12h29
